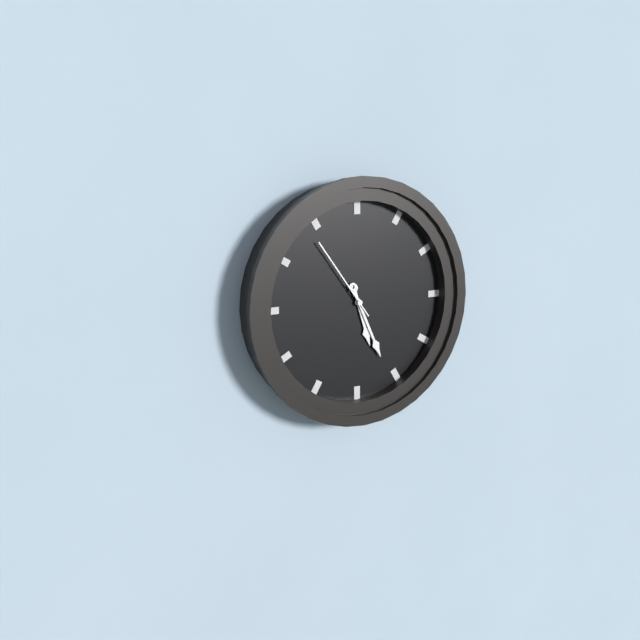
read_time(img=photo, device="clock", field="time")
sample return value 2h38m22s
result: 5h26m54s
